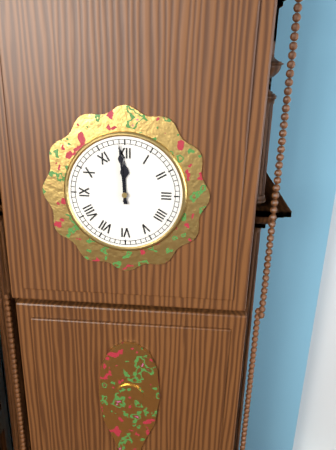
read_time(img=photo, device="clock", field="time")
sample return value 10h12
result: 11h59
